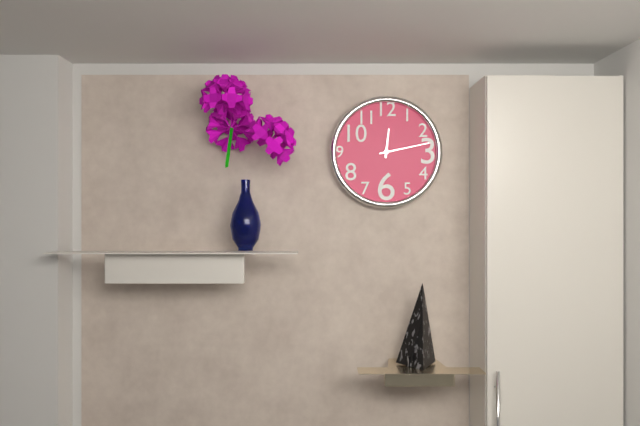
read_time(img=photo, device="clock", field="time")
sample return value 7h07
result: 12h13
